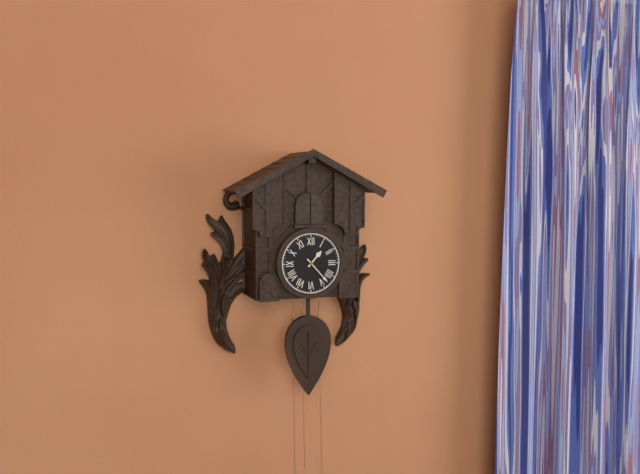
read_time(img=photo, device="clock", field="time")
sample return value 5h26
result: 1h23
